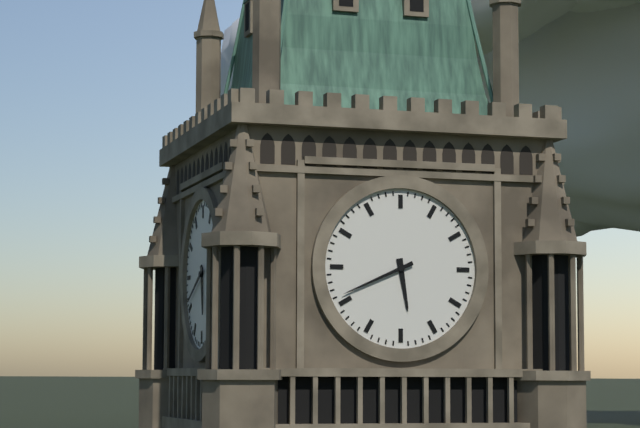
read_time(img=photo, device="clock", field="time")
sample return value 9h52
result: 5h41
